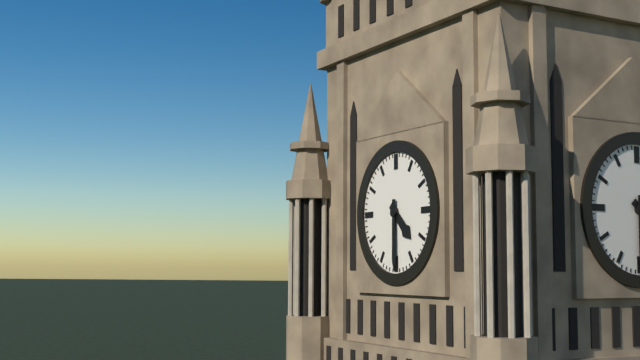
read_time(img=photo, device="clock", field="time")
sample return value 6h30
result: 4h30
